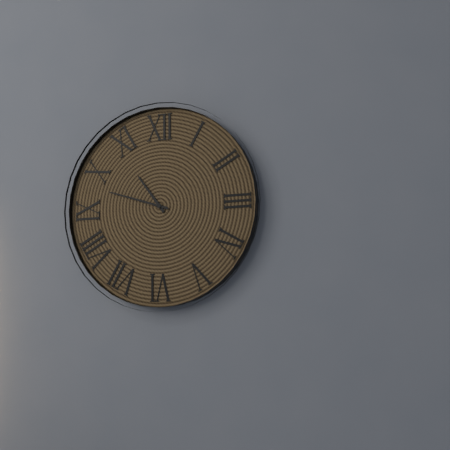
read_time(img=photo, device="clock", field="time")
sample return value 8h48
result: 10h48
